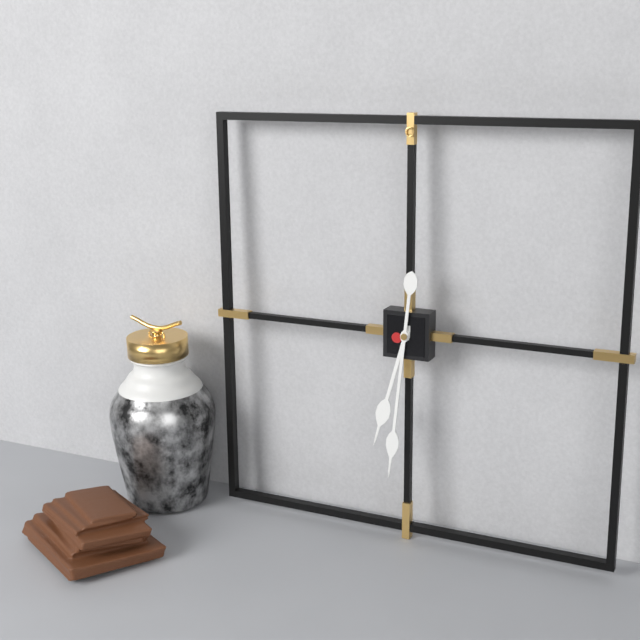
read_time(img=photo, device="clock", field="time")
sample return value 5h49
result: 6h31
